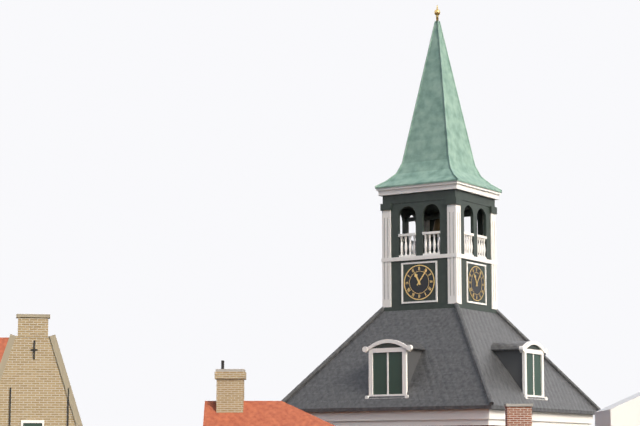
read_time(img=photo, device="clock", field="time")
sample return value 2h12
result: 11h06
